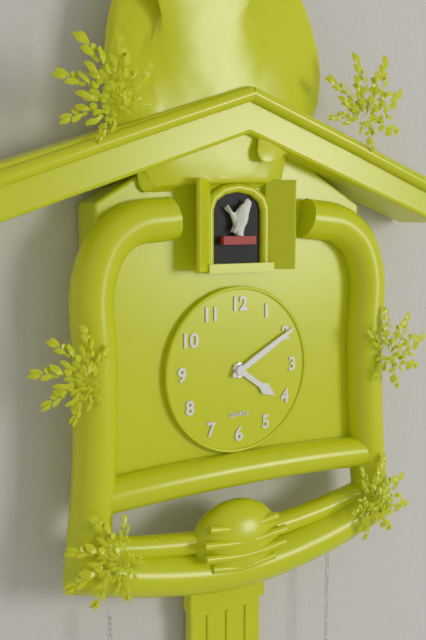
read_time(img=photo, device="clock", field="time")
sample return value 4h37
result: 4h10
